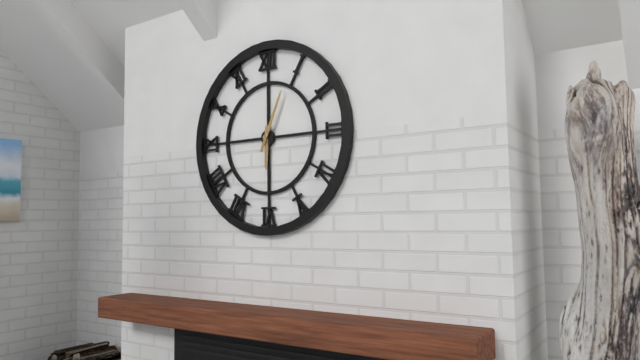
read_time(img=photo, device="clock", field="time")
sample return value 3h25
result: 6h04
